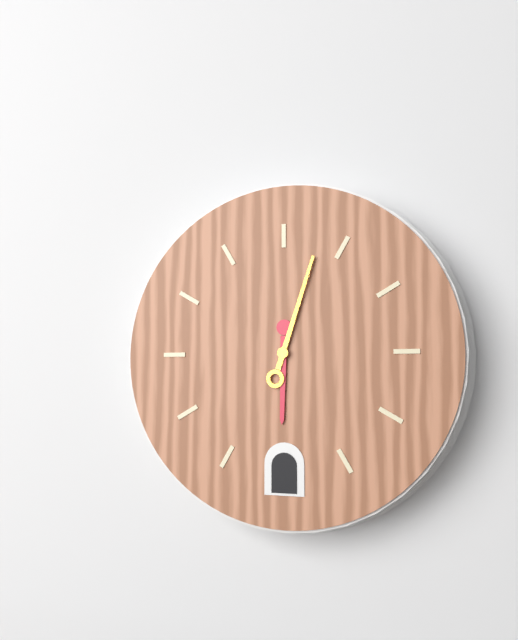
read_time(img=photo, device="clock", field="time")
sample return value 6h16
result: 6h03
